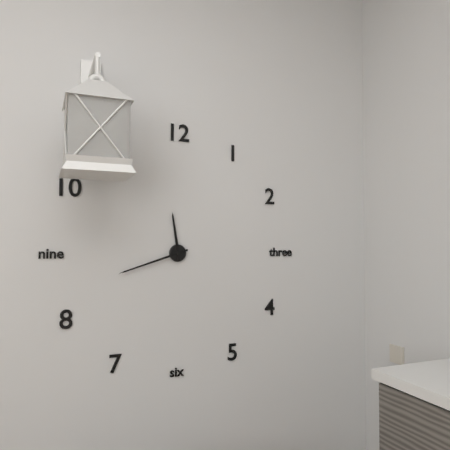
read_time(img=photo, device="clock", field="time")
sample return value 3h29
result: 11h42
